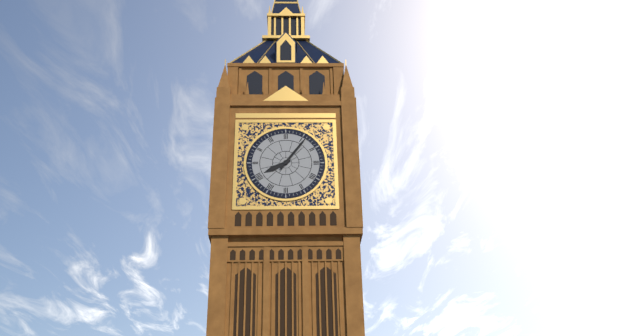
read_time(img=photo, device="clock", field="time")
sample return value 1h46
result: 8h06
